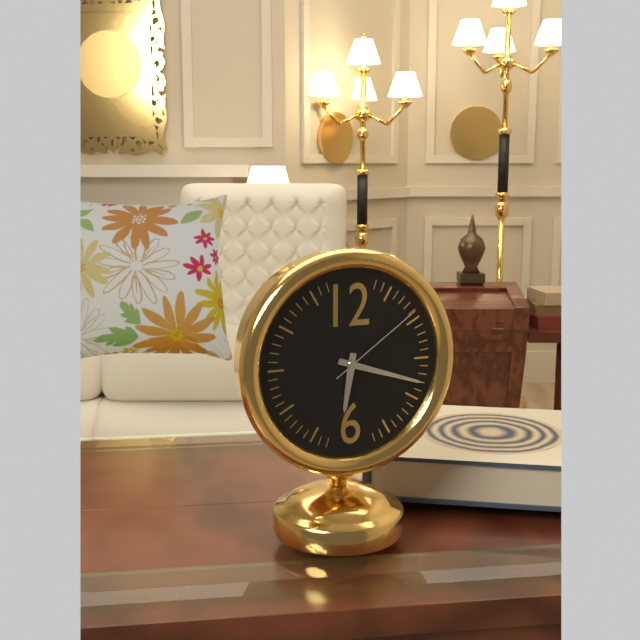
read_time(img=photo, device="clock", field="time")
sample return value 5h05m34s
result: 6h18m09s
